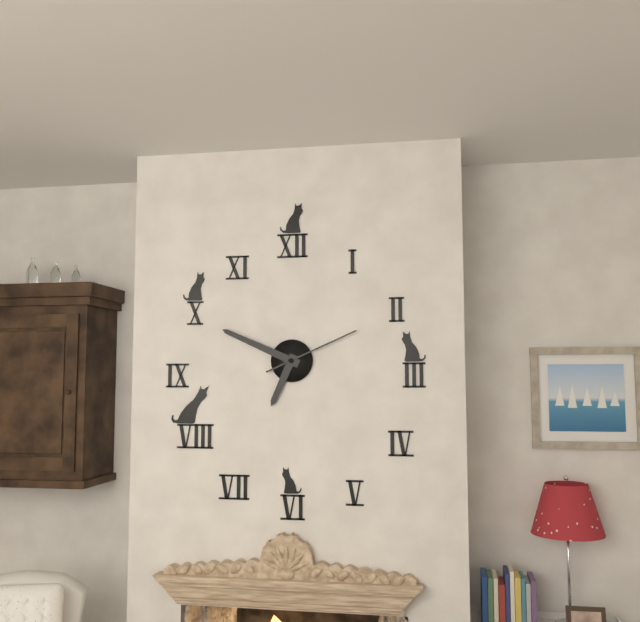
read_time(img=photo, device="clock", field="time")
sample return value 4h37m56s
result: 6h49m11s
